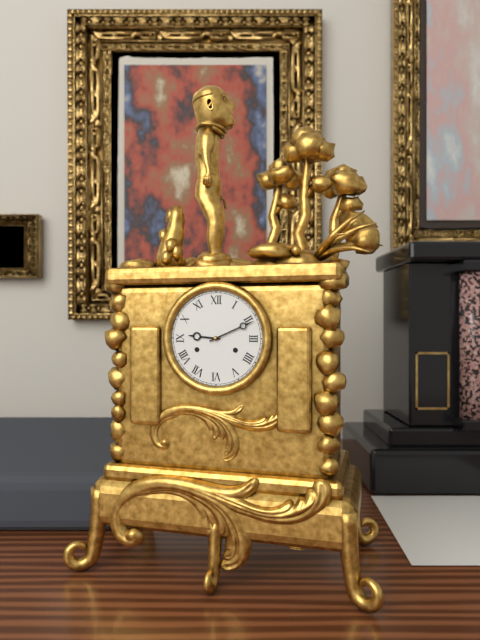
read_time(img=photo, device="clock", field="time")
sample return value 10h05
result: 9h11
